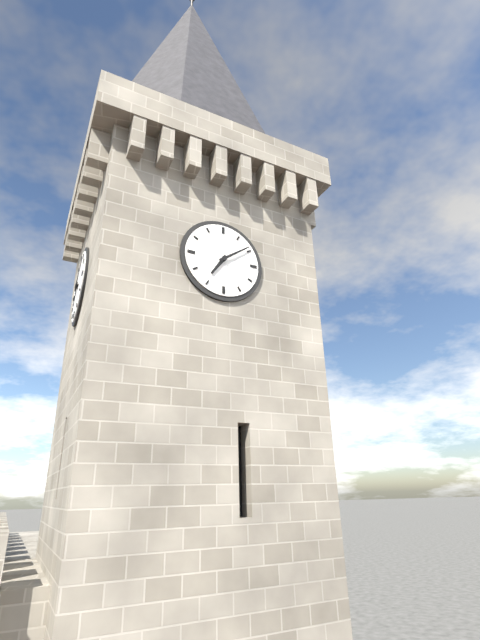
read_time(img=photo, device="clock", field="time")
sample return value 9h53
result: 7h09
